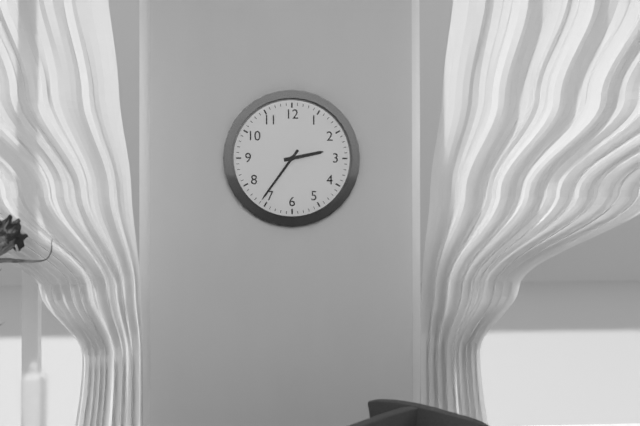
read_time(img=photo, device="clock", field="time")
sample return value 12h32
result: 2h36
